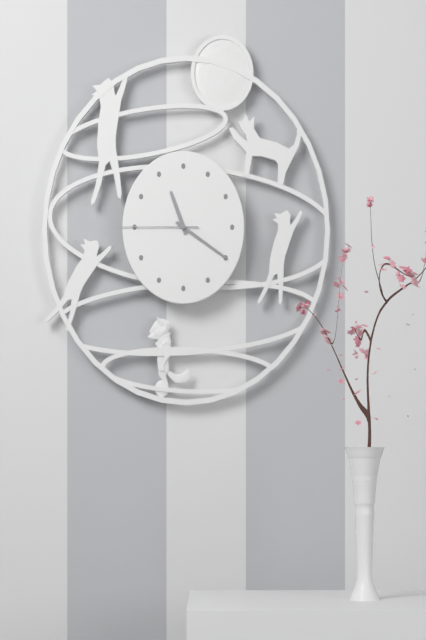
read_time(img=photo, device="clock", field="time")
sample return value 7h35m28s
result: 11h21m45s
